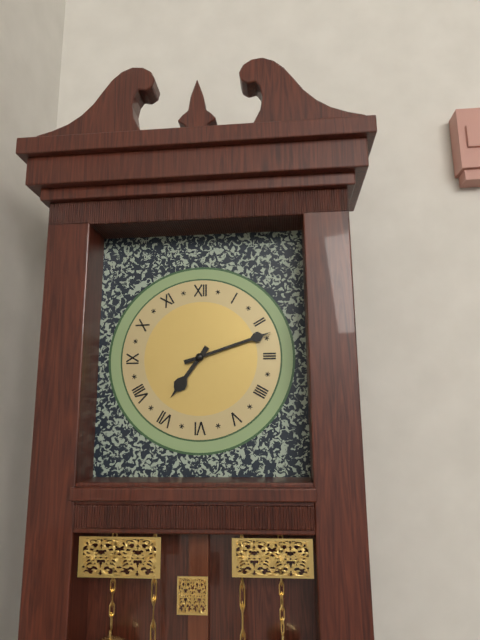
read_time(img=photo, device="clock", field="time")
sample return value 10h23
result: 7h12
